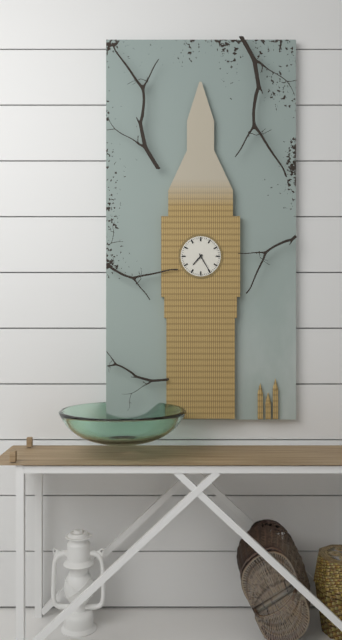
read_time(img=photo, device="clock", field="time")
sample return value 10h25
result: 7h25
